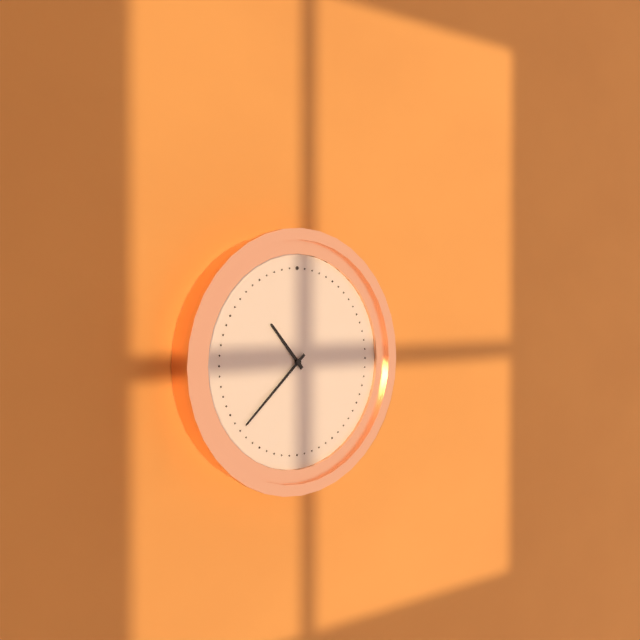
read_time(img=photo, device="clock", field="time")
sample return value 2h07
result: 10h38
